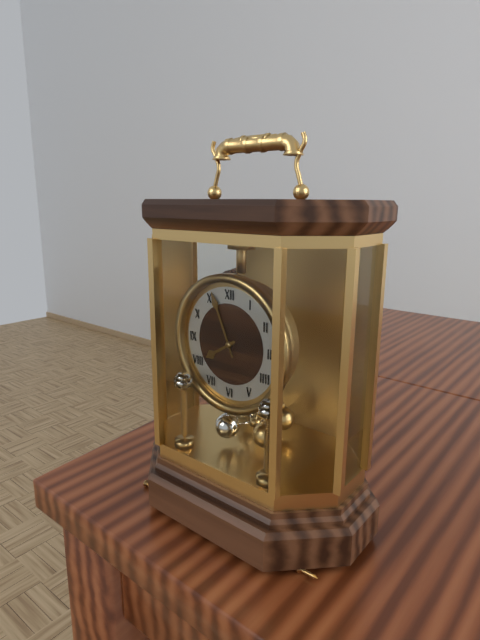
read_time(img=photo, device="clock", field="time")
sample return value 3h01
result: 7h56
